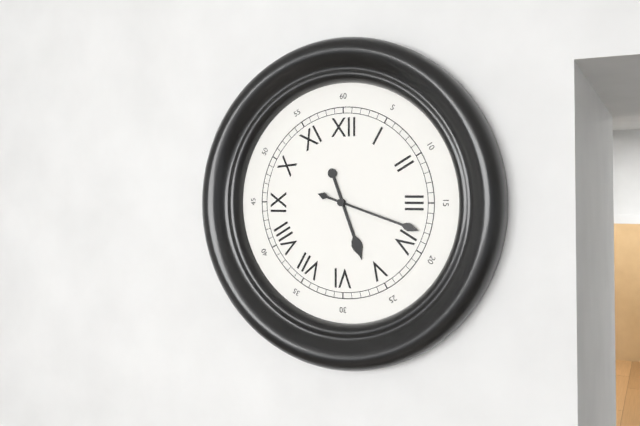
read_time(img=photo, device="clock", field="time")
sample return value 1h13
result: 5h18
